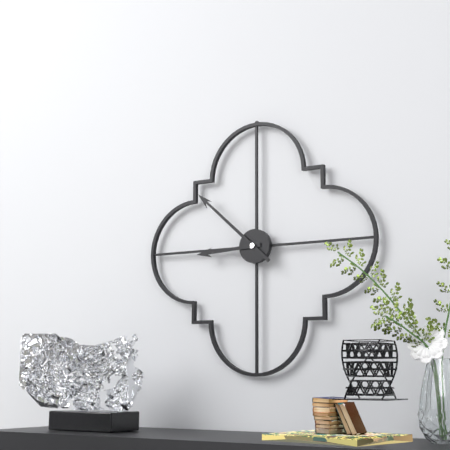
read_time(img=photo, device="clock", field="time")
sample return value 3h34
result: 8h52
